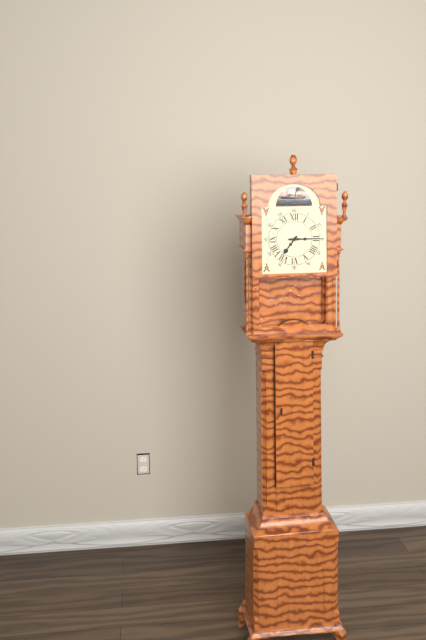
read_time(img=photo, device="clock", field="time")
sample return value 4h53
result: 7h15
